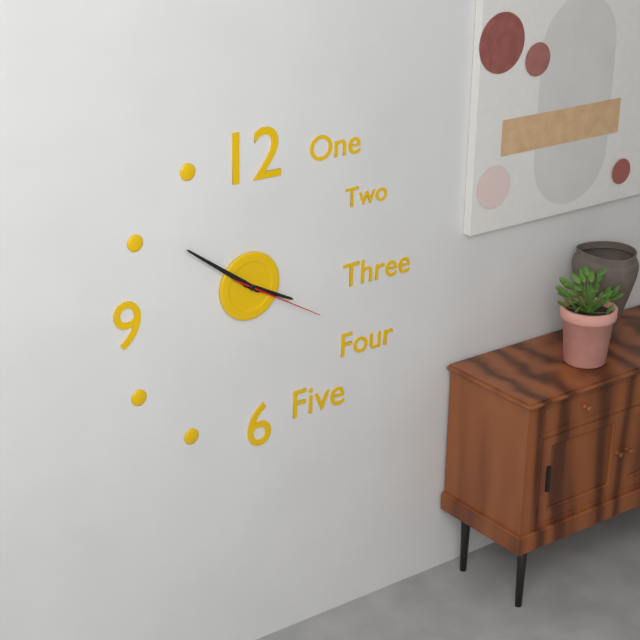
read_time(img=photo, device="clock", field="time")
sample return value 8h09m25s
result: 3h51m20s
